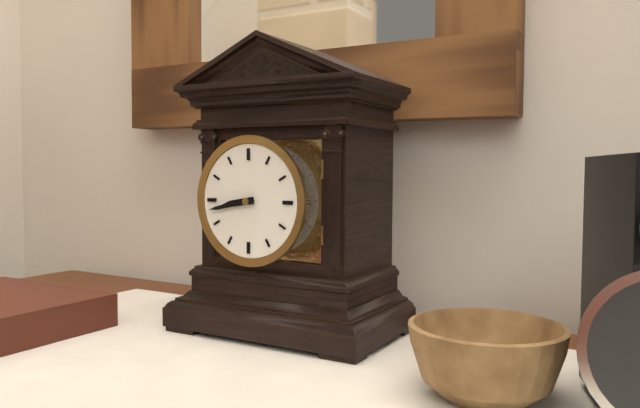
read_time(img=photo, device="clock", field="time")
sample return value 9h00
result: 8h43
